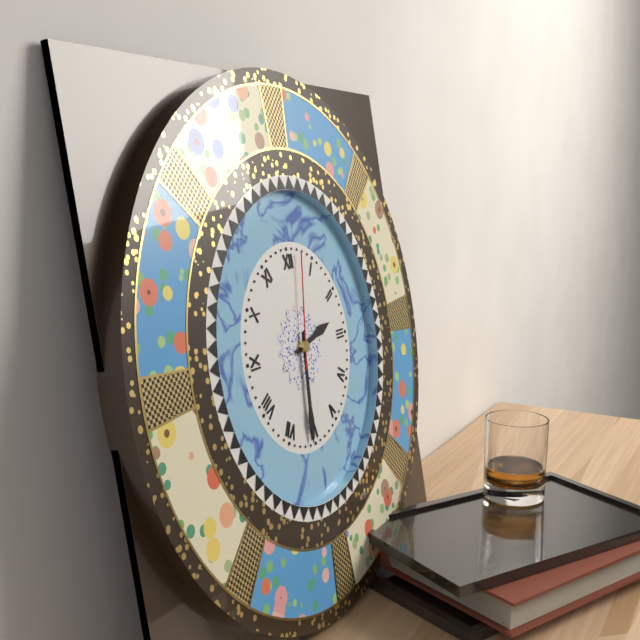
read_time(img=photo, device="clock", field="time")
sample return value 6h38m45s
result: 2h31m02s
